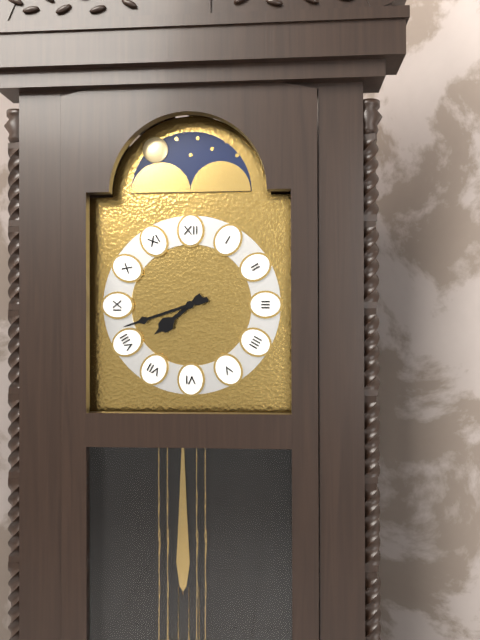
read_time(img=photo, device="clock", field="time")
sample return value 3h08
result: 7h42
